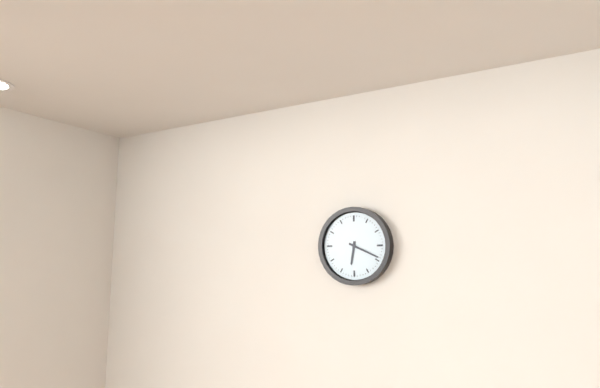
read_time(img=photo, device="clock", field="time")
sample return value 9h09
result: 6h19
